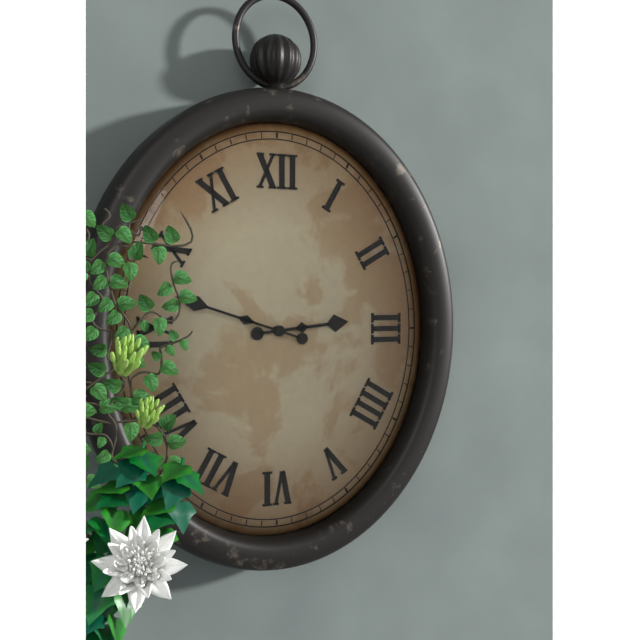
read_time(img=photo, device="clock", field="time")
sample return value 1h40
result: 2h48
